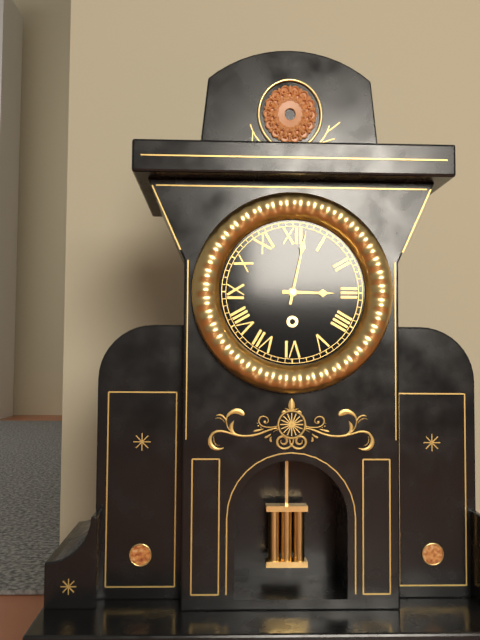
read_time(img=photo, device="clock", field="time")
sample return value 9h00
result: 3h02
